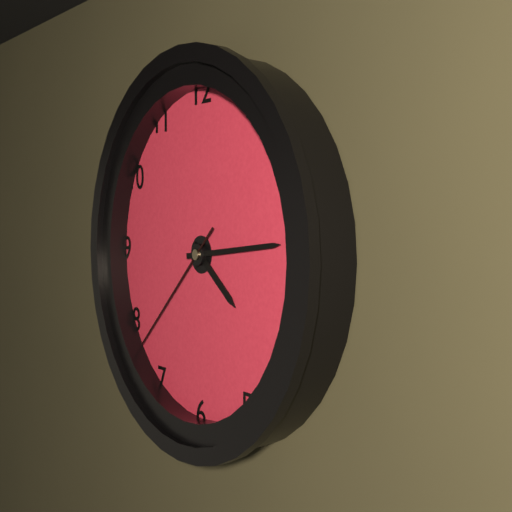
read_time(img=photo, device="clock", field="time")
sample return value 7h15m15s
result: 4h14m38s
